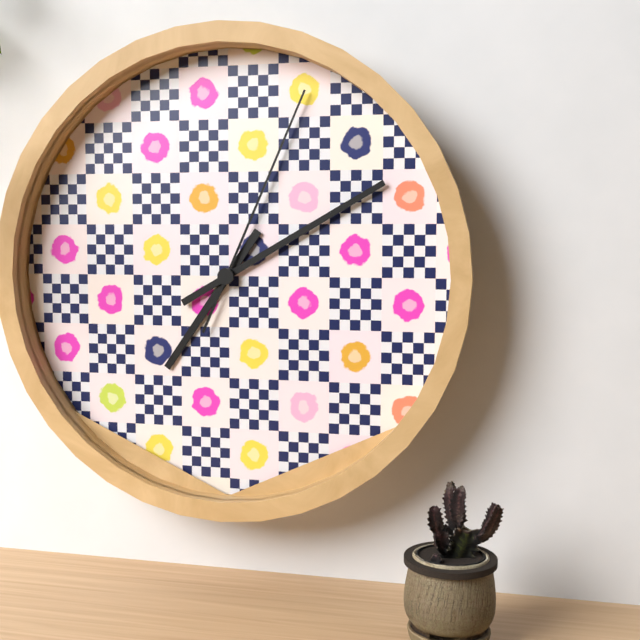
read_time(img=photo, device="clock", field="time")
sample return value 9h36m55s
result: 7h10m04s
